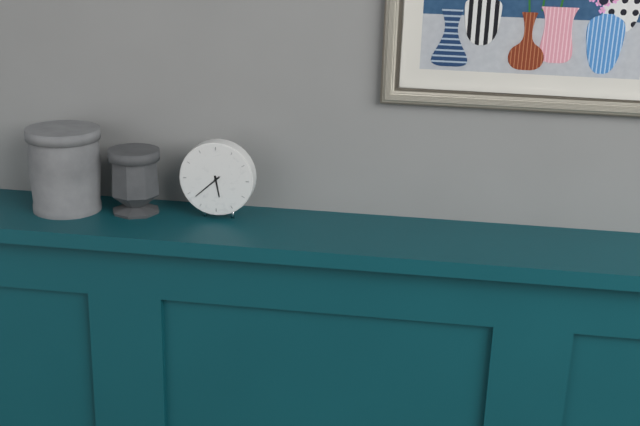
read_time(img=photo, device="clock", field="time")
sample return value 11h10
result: 5h38
